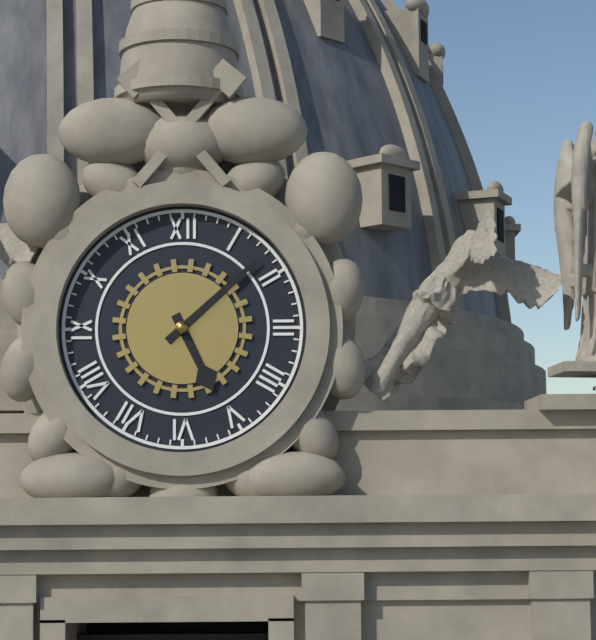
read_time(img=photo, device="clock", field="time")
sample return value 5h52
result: 5h08
